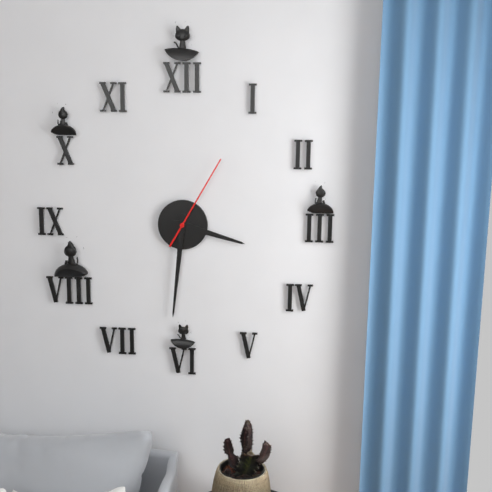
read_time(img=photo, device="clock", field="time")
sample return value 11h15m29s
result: 3h31m05s
